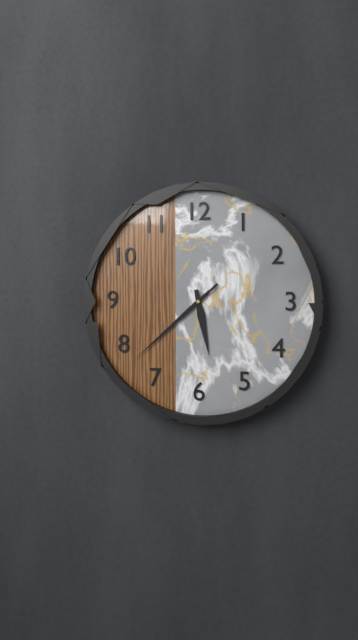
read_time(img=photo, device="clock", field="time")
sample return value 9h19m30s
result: 5h38m38s
